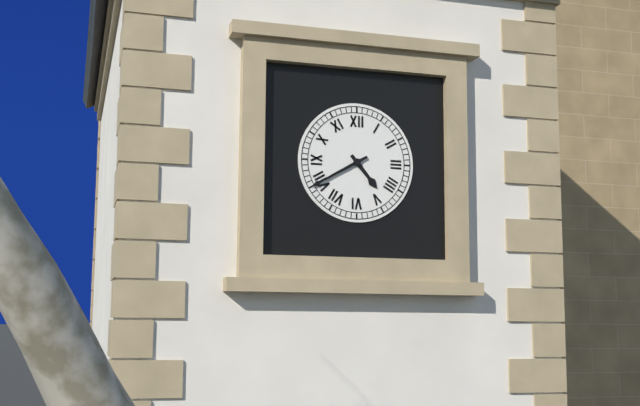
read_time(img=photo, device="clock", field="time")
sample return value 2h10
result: 4h40
